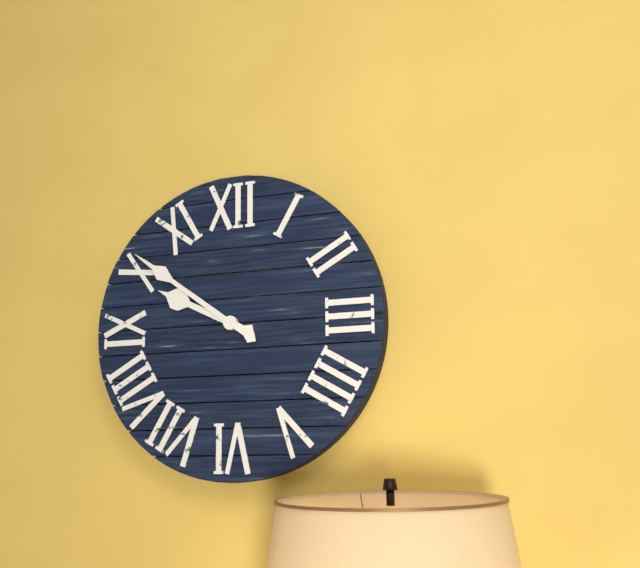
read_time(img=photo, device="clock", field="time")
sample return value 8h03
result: 9h51
